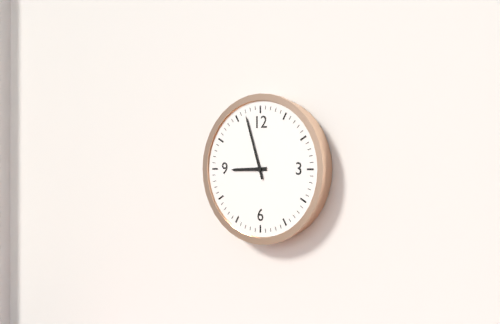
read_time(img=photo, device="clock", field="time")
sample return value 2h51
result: 8h57
